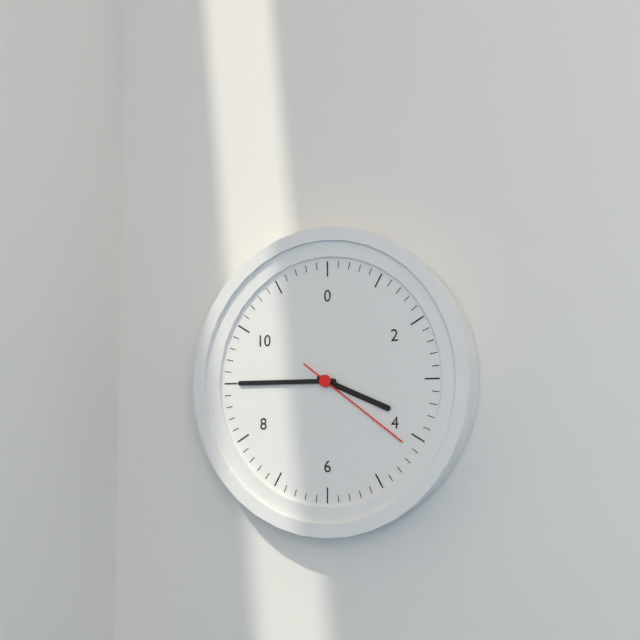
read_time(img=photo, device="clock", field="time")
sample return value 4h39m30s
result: 3h45m21s
